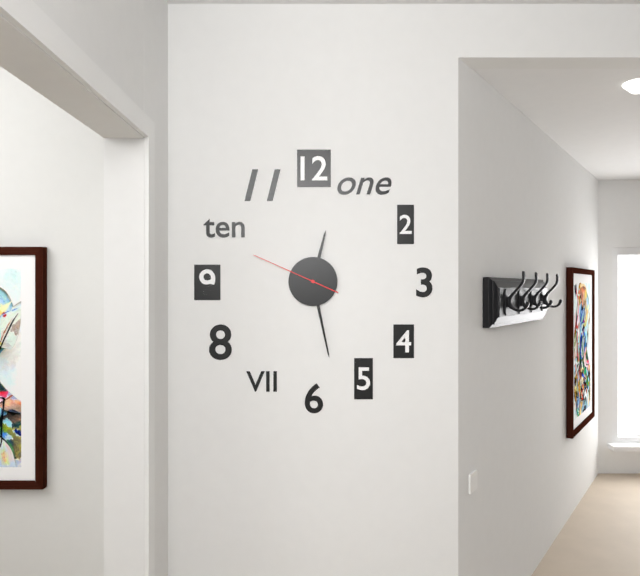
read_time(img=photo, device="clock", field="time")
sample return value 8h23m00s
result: 12h28m49s
